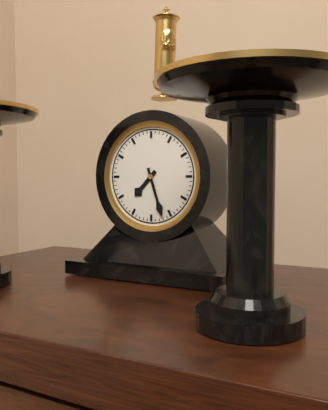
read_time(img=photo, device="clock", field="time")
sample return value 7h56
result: 7h27
